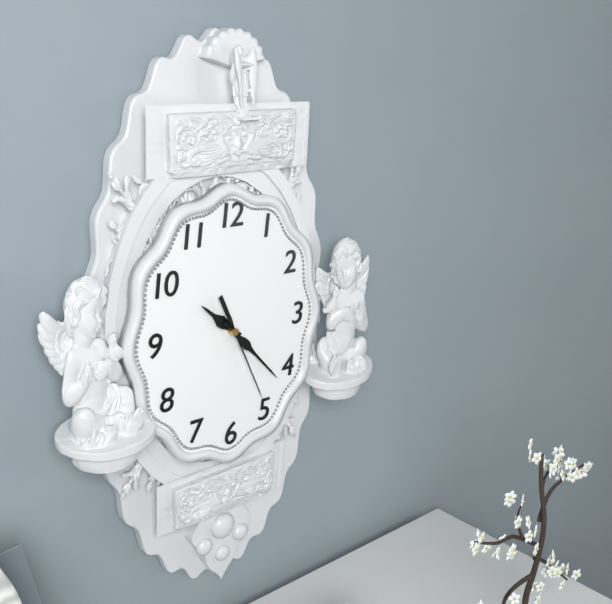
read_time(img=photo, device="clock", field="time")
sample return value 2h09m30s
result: 10h23m26s
